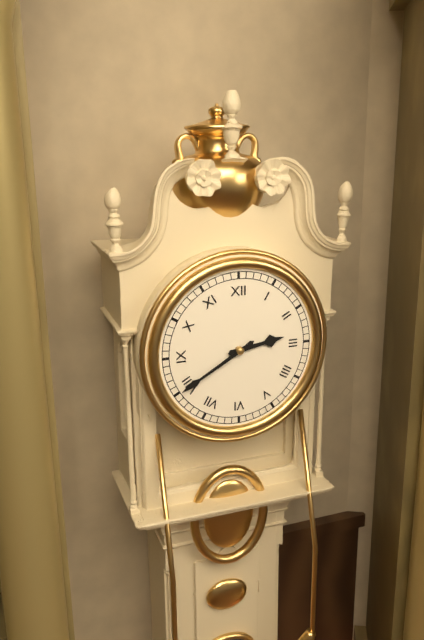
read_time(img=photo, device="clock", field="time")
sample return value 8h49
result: 2h40
